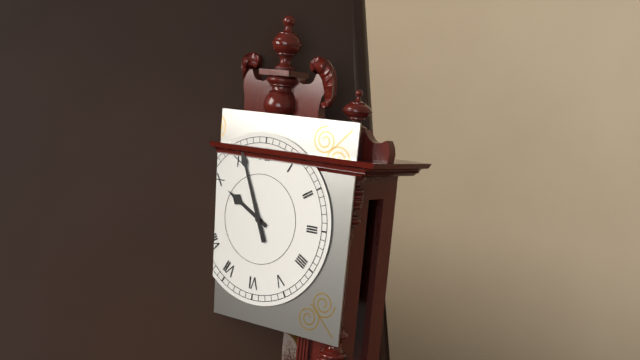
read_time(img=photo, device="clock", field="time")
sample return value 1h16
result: 9h56
